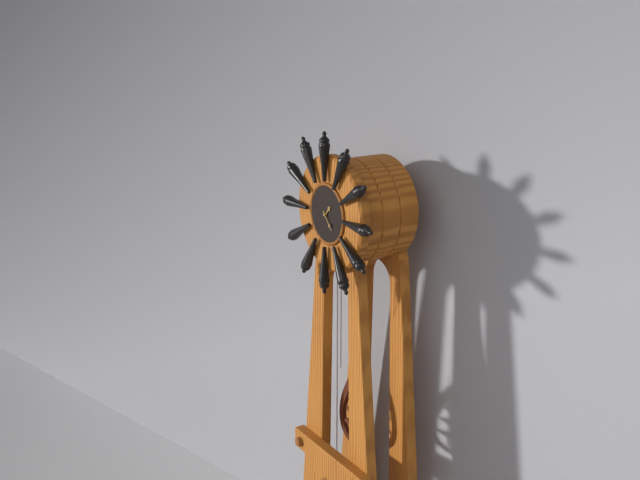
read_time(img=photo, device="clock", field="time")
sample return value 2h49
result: 1h23
